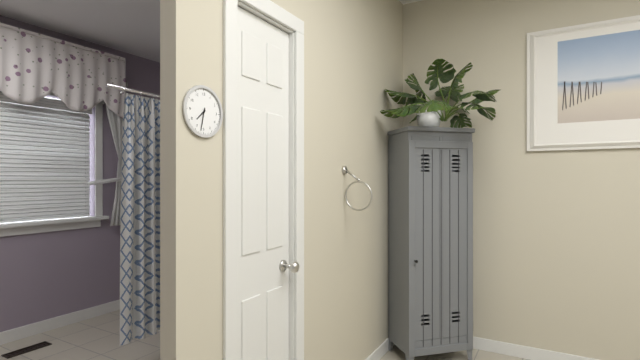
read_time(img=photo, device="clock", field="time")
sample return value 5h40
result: 7h32
